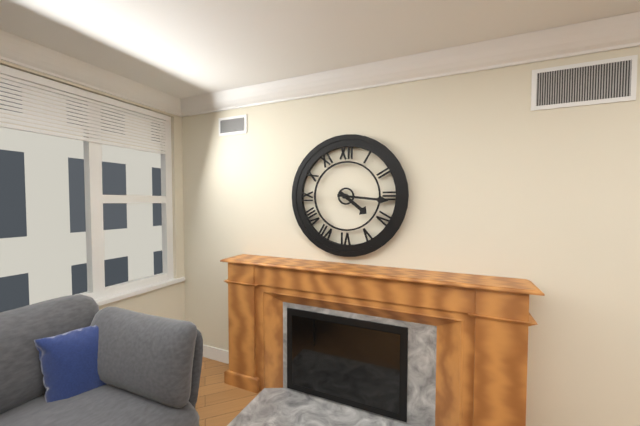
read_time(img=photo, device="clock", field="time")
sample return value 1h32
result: 4h16
